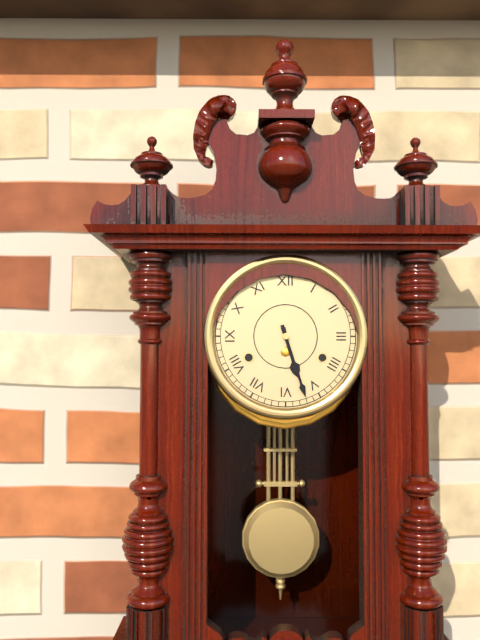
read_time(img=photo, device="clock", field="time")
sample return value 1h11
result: 5h27
